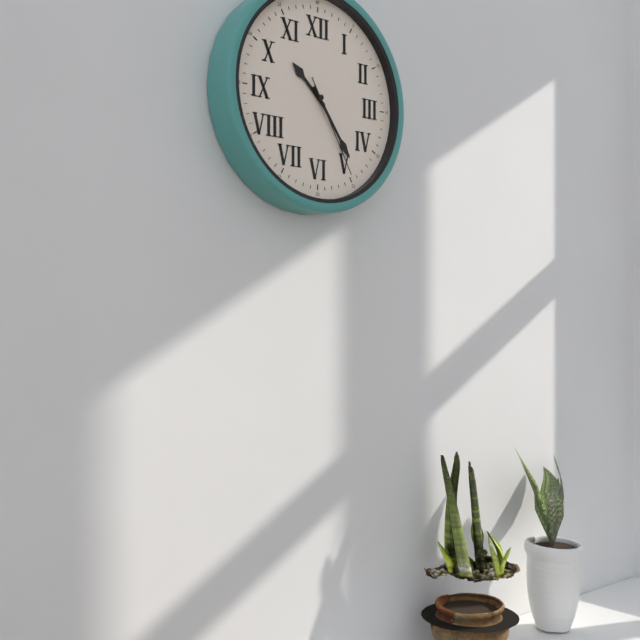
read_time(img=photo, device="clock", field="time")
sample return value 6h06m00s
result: 10h24m25s
